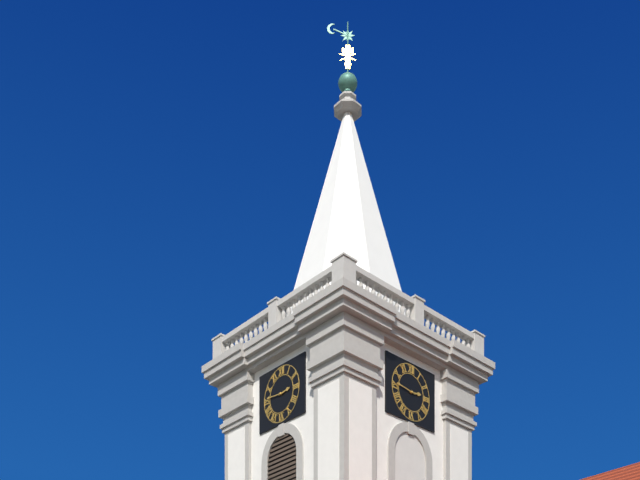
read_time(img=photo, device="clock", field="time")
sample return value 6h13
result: 2h46
